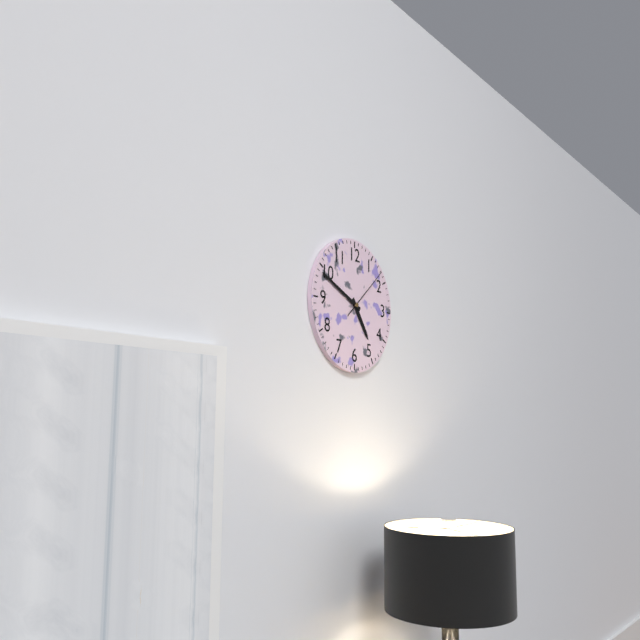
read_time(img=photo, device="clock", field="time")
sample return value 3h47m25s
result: 4h49m08s
